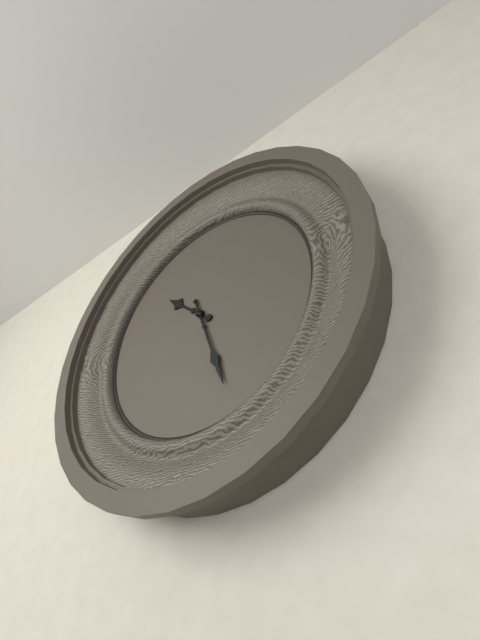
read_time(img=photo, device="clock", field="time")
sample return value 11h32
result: 10h27
